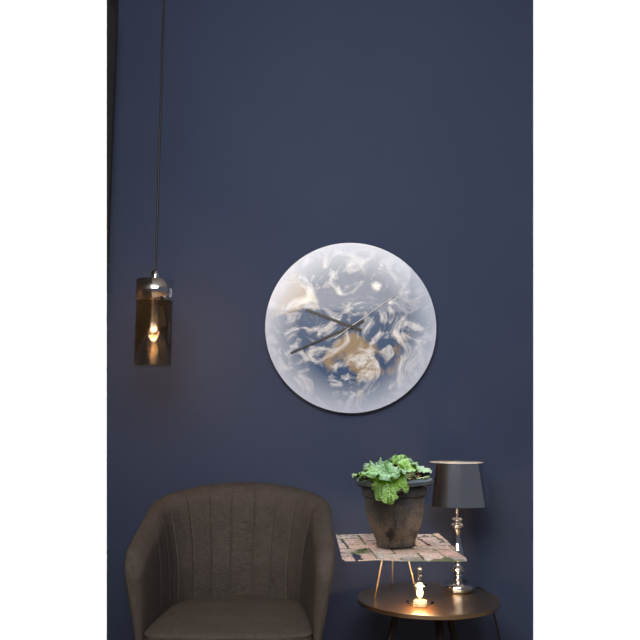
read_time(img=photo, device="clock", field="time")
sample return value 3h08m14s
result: 9h41m09s
